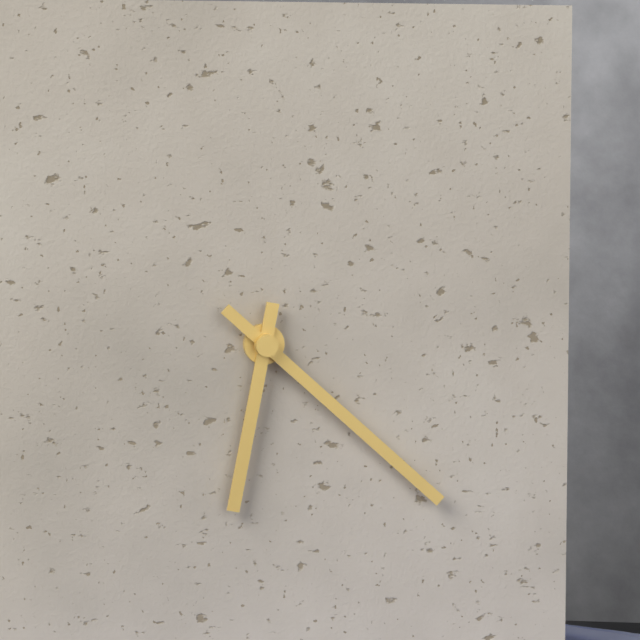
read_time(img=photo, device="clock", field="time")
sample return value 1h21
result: 6h22
